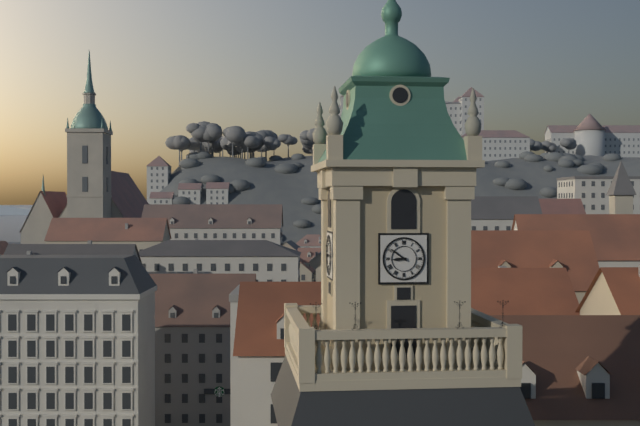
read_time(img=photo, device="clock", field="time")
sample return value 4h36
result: 8h51
